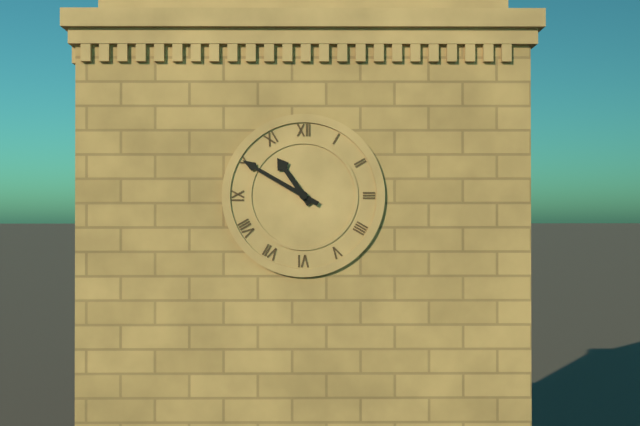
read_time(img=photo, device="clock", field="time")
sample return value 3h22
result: 10h50
